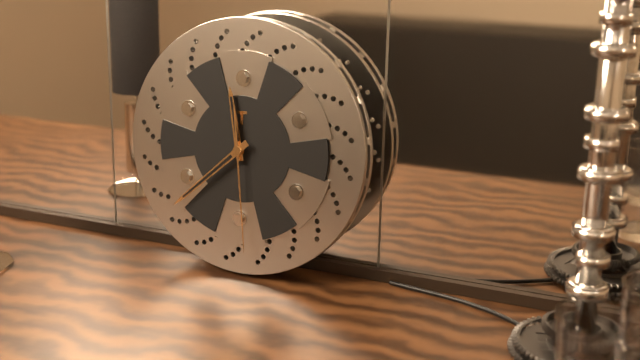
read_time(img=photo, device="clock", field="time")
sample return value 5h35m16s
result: 11h38m29s
